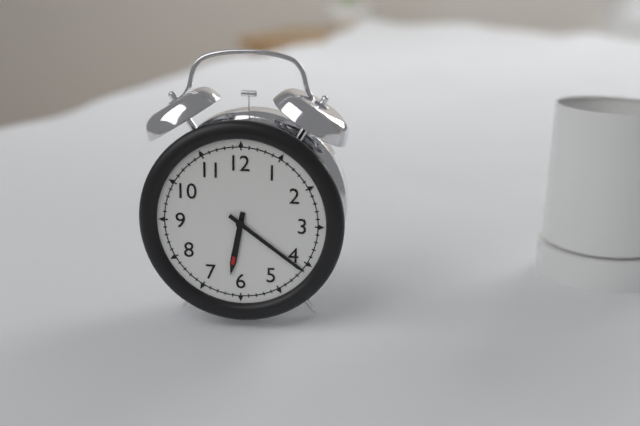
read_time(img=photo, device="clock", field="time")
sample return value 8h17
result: 6h21
